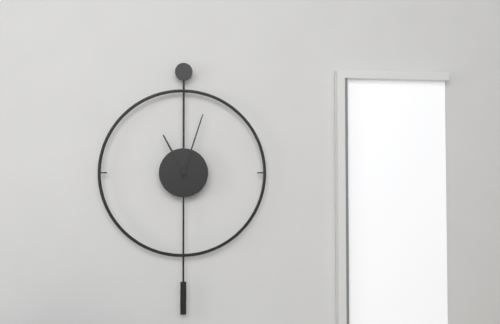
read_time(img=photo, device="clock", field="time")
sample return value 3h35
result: 11h03
